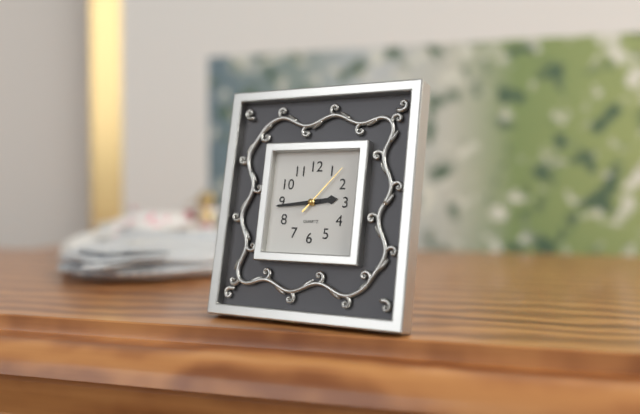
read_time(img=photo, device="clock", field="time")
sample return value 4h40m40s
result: 2h44m07s
